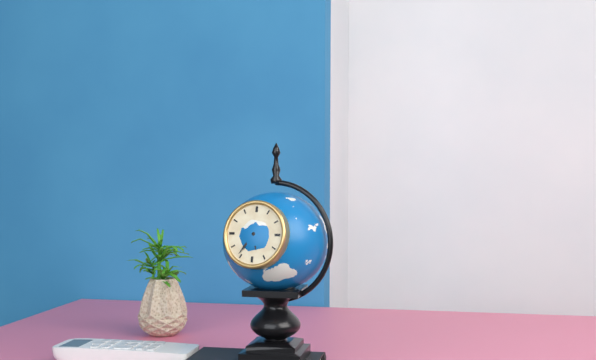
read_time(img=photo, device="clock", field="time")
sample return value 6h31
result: 5h36
